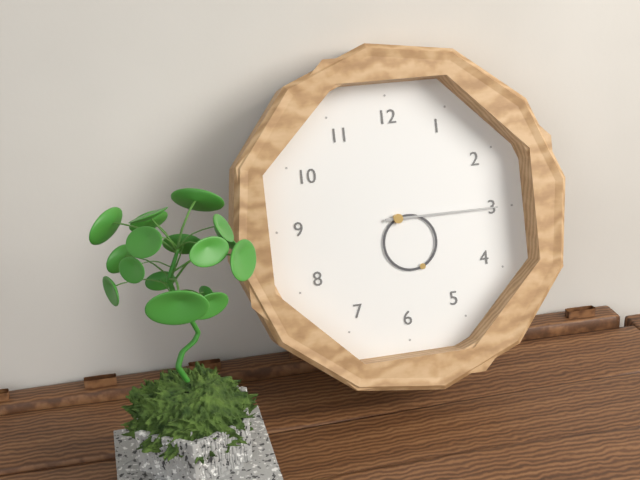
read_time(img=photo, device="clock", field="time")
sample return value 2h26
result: 5h15
